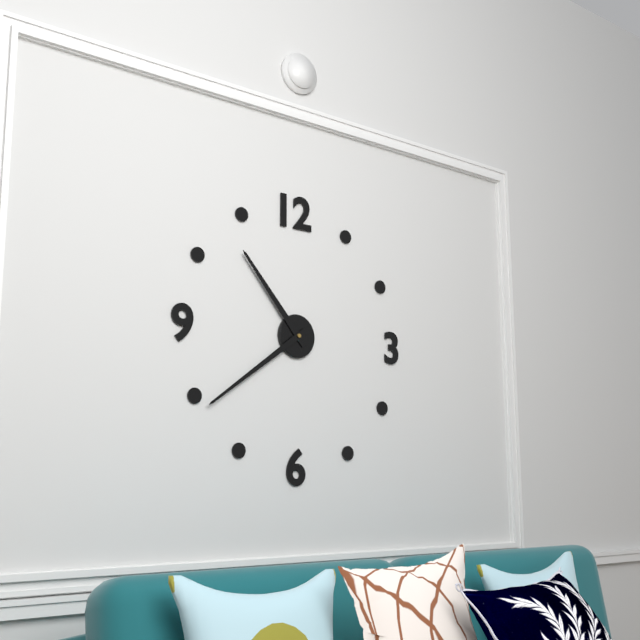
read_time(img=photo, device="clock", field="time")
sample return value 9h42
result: 10h39
